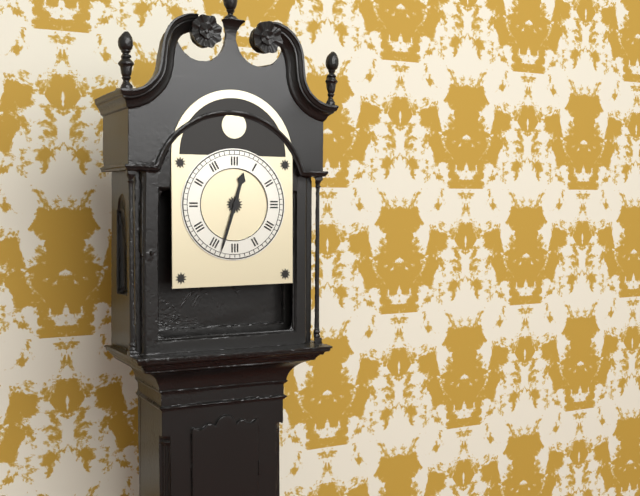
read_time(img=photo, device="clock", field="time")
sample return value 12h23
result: 12h33
